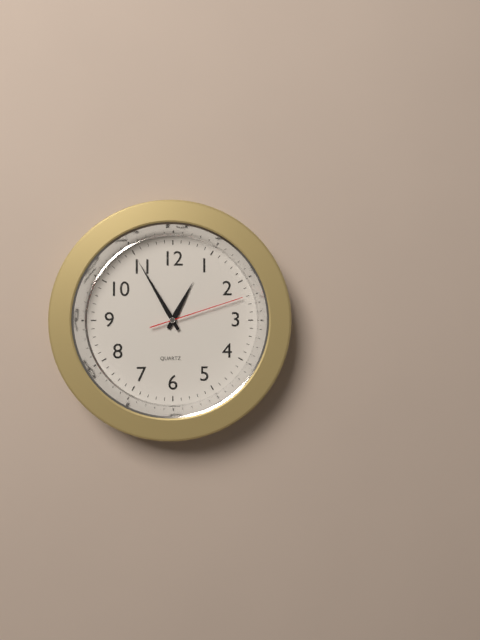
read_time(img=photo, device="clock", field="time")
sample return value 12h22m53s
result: 12h55m12s
